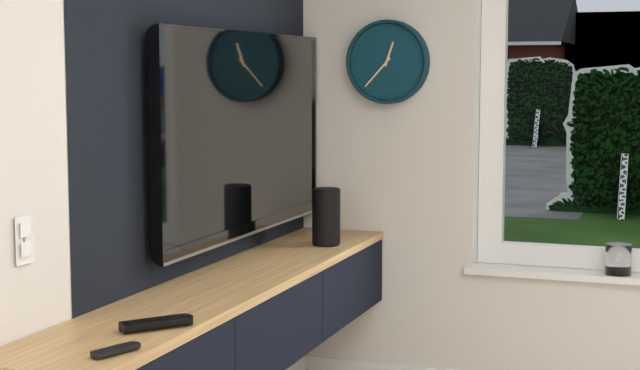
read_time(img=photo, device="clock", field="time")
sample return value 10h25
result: 12h37
